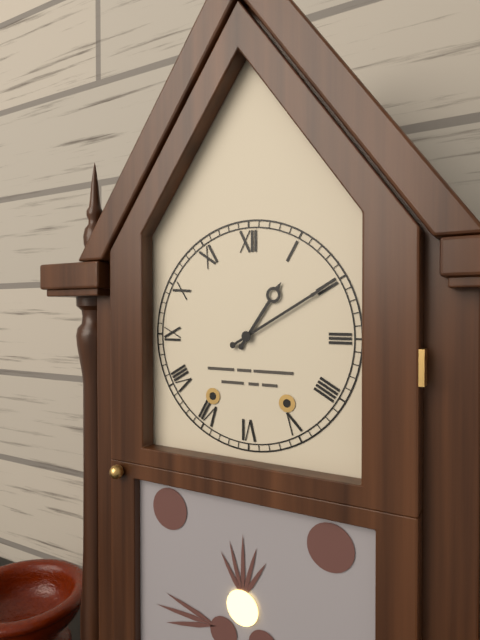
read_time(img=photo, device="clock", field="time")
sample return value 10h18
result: 1h10
